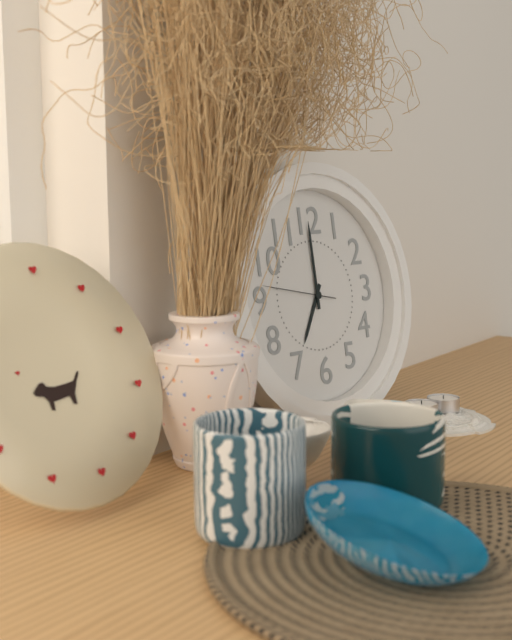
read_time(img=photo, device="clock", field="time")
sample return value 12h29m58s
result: 7h00m47s
